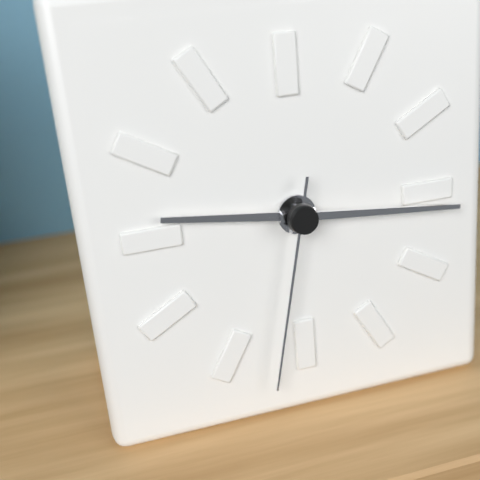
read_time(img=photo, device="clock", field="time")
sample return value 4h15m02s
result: 9h16m32s
